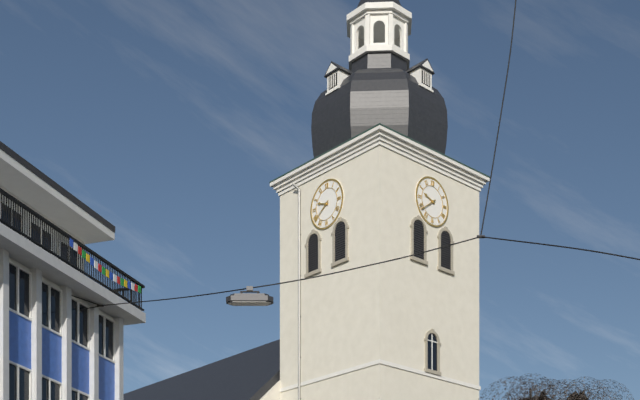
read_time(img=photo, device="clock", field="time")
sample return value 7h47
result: 9h39
